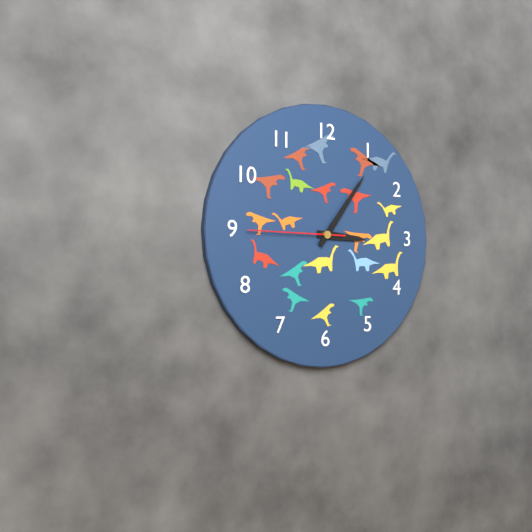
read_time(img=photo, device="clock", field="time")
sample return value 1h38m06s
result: 3h06m45s
